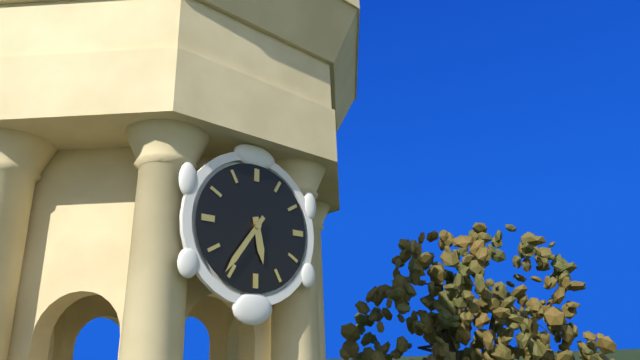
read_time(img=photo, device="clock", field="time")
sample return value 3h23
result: 5h36
